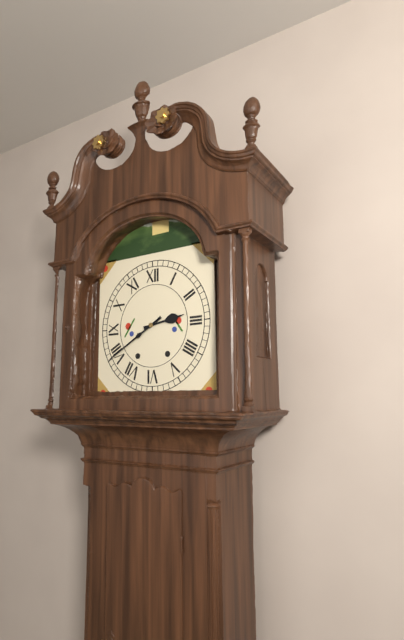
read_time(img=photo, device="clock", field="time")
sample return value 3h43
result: 2h40
